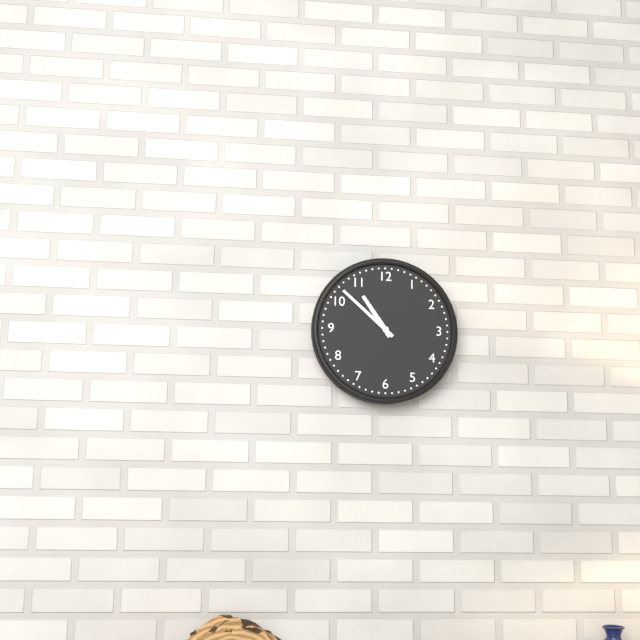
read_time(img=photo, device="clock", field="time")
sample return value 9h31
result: 10h52
